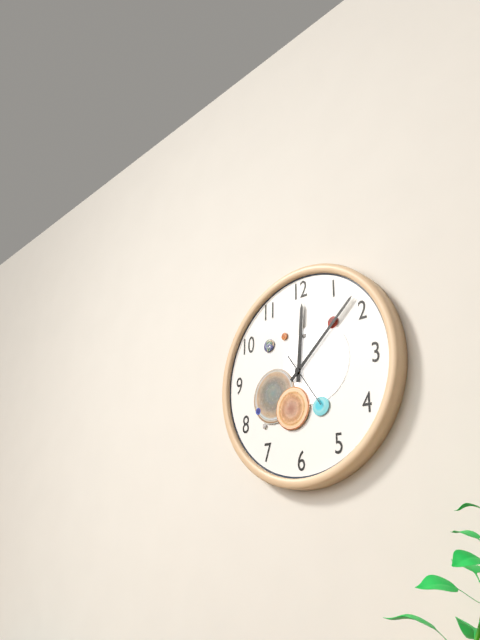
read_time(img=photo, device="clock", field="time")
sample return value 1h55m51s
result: 12h08m24s
